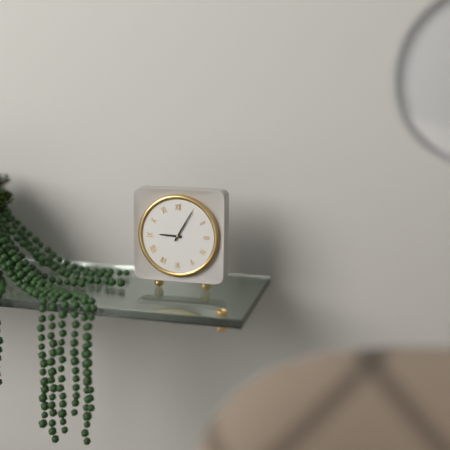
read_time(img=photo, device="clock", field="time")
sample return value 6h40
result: 9h05
